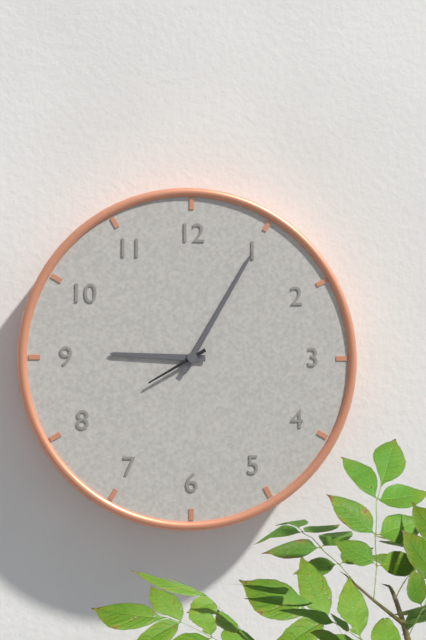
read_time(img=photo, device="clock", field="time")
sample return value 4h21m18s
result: 9h05m40s
